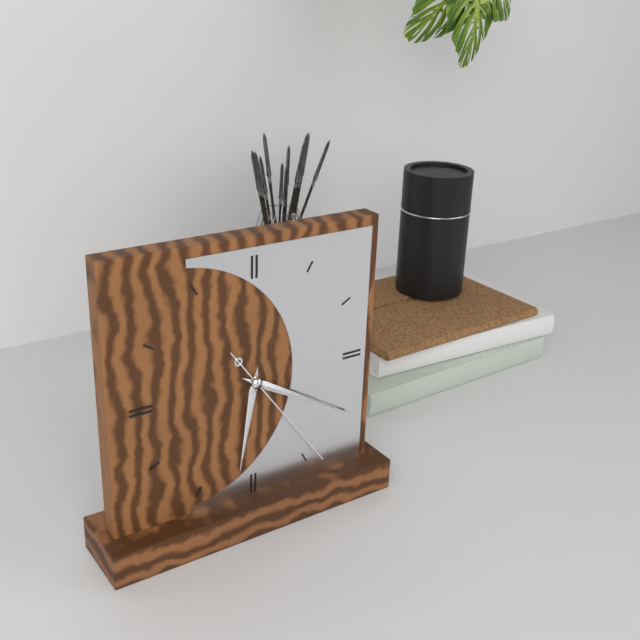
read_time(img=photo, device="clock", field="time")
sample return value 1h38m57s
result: 6h20m24s
